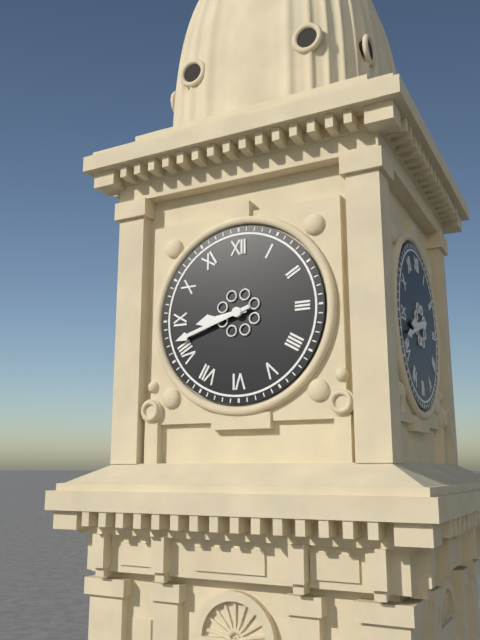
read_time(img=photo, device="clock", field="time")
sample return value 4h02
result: 8h42
